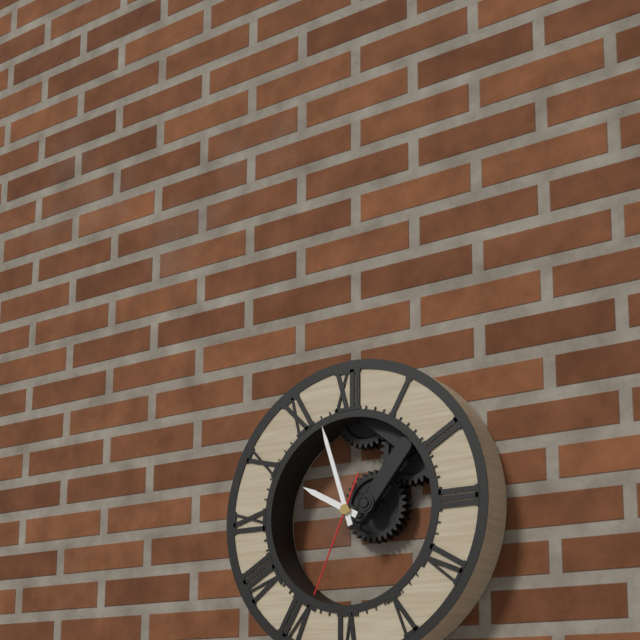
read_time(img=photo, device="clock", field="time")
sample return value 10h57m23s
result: 9h57m34s
